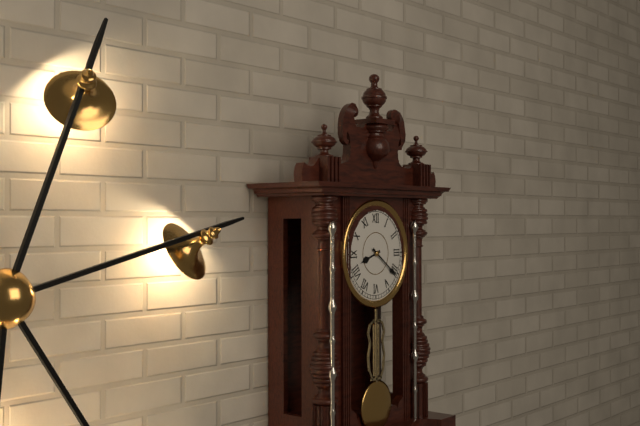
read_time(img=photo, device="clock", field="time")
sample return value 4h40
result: 8h21
